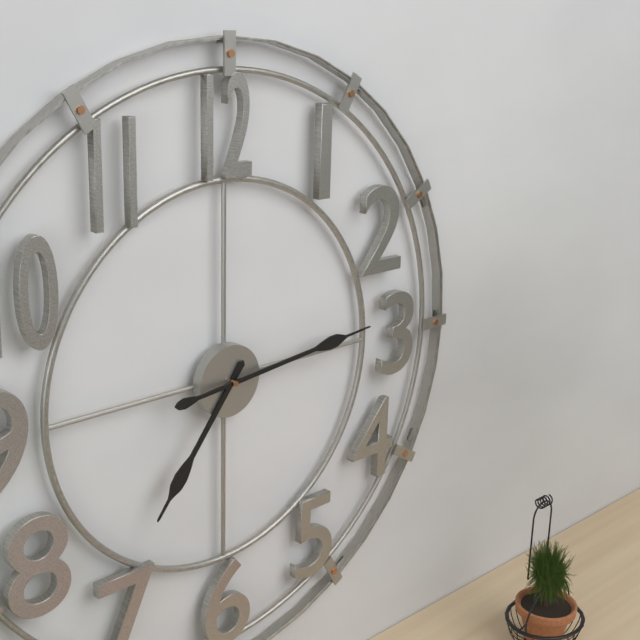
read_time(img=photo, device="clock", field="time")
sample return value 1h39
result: 7h14
